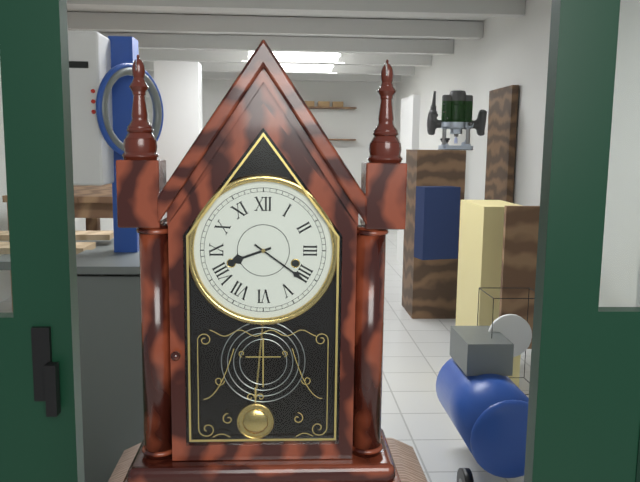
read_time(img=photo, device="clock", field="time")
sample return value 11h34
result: 8h21
